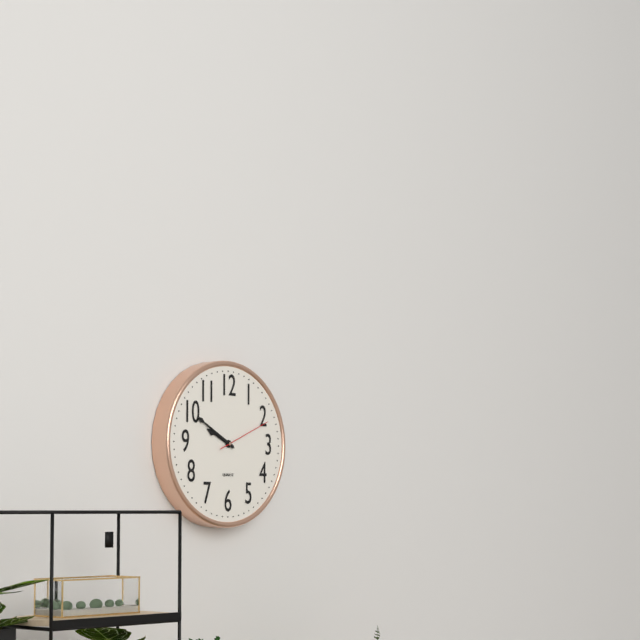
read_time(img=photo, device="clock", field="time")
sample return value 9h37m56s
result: 9h50m11s
